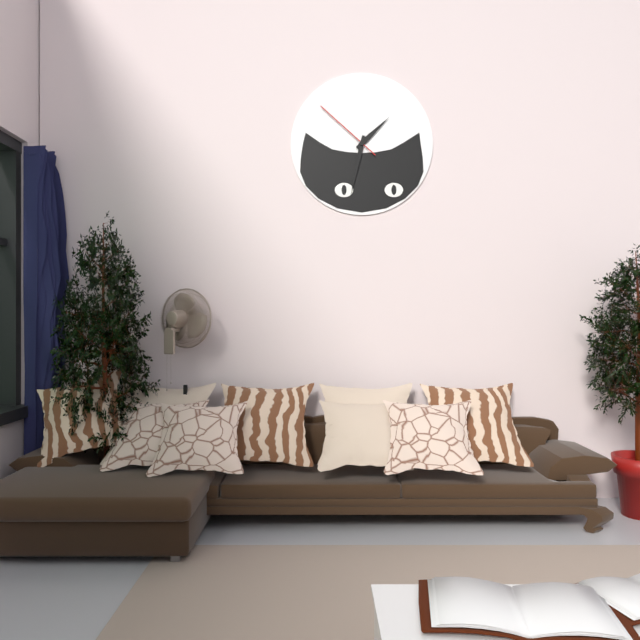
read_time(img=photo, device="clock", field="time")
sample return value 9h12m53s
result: 1h32m52s
